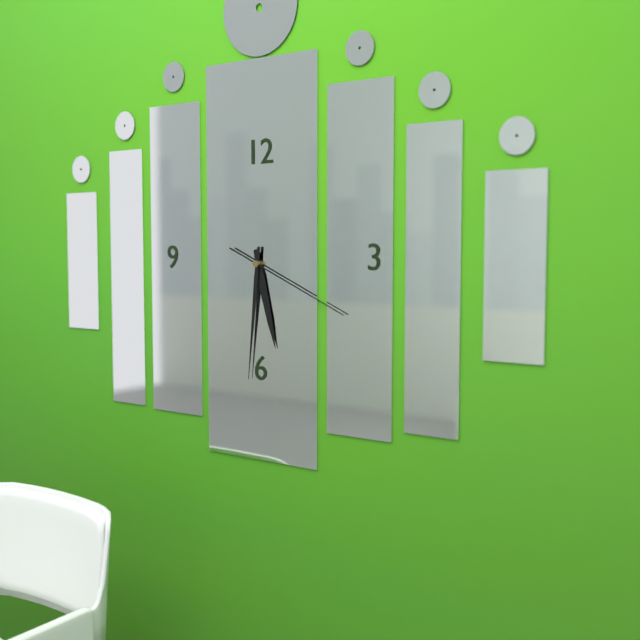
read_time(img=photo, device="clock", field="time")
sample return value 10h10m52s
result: 5h31m19s
